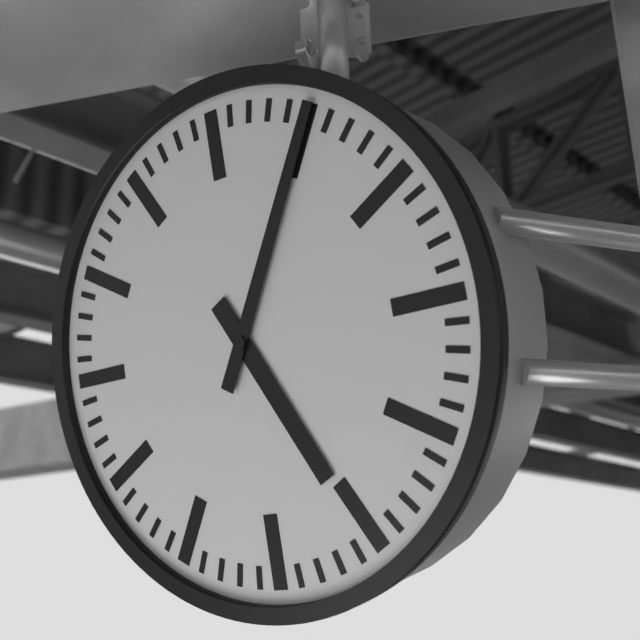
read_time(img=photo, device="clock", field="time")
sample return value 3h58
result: 5h05
